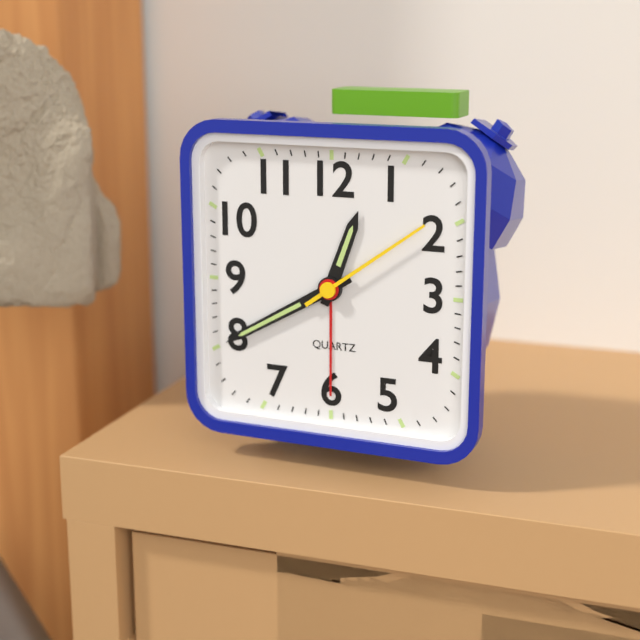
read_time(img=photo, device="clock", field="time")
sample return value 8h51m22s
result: 12h40m09s
